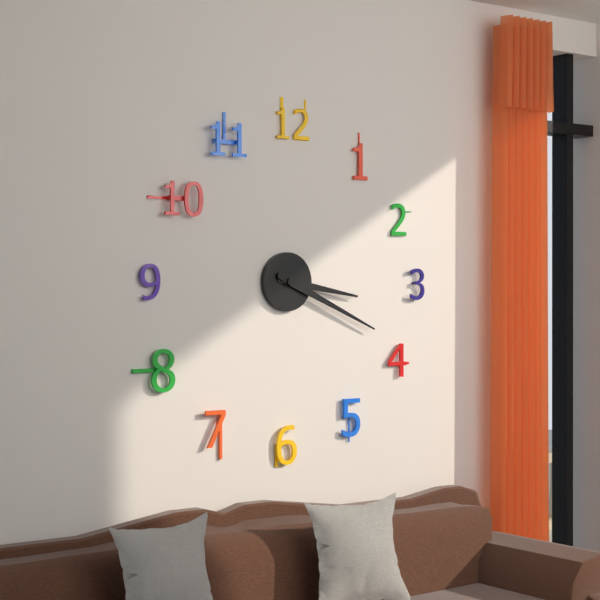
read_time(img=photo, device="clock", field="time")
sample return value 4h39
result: 3h19
